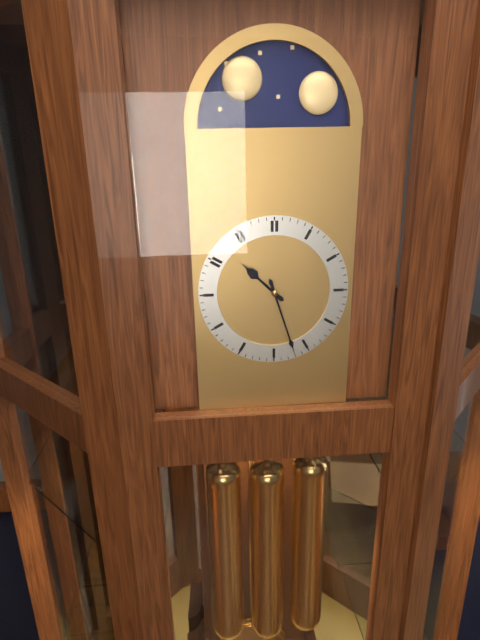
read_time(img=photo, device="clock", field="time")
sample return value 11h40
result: 10h27
